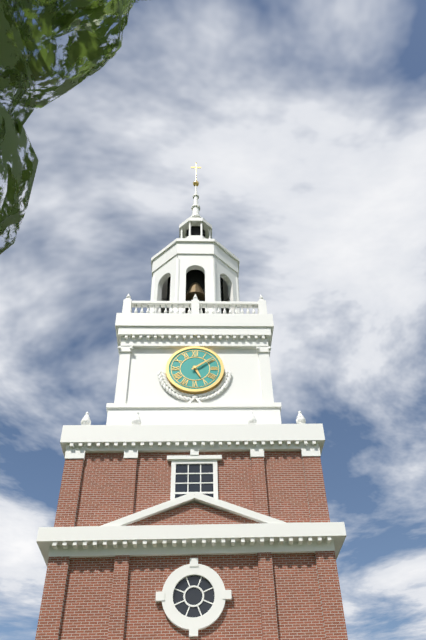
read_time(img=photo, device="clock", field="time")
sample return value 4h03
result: 5h09
